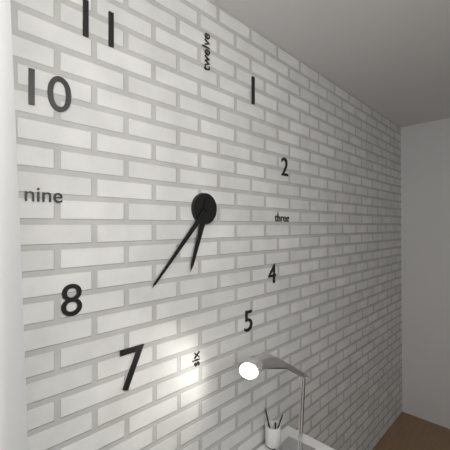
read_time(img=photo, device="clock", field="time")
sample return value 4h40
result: 6h37
